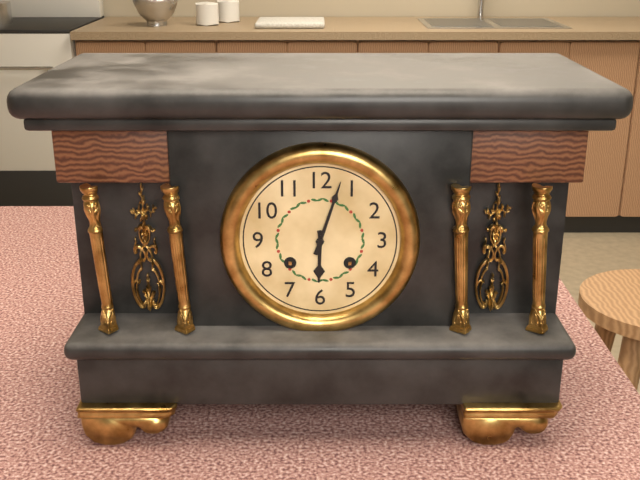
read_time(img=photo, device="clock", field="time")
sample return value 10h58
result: 6h03
